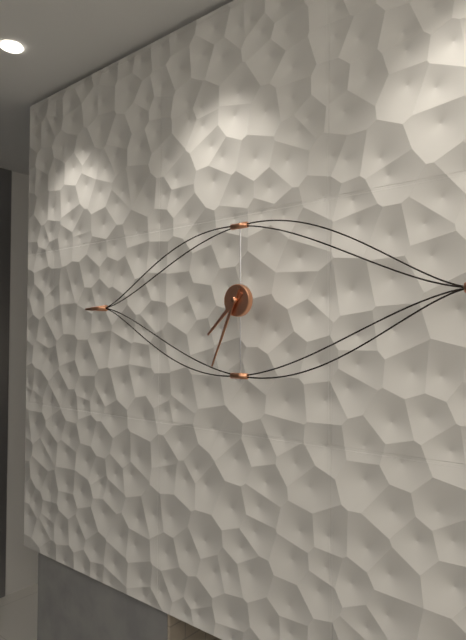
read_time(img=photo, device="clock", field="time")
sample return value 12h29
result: 7h34
